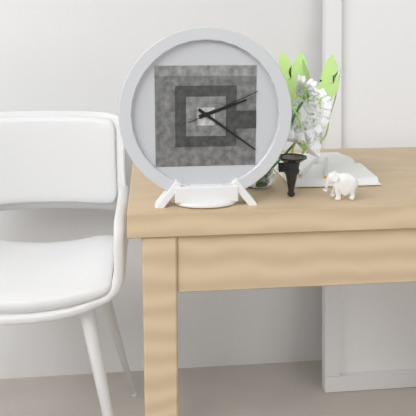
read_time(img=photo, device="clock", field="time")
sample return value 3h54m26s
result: 2h21m11s
